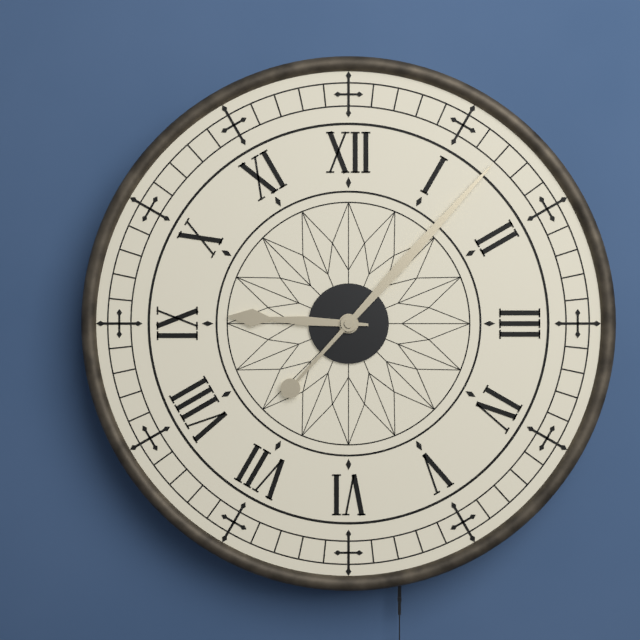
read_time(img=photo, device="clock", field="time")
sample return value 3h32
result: 9h07
